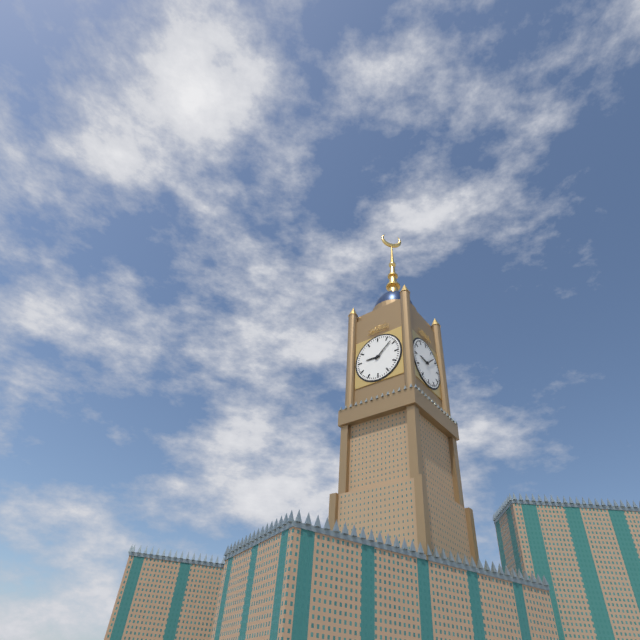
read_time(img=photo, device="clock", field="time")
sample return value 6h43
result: 9h08
